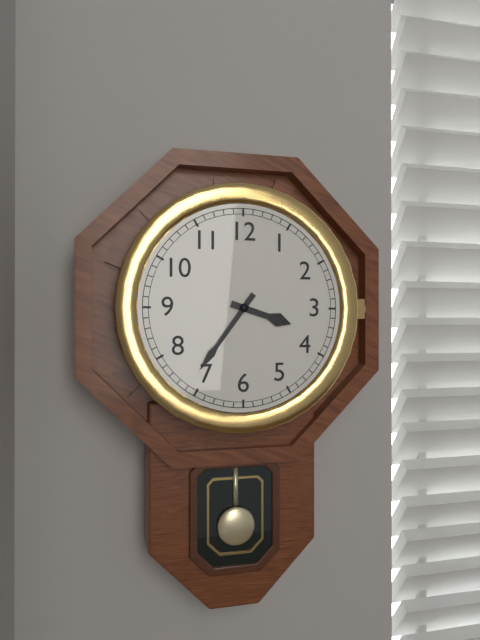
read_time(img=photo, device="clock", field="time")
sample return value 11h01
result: 3h36
